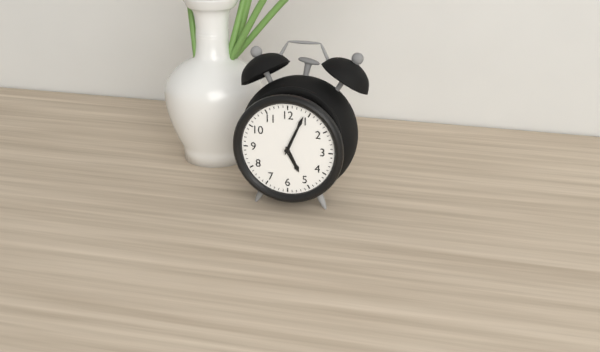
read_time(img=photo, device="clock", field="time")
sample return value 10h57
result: 5h04
